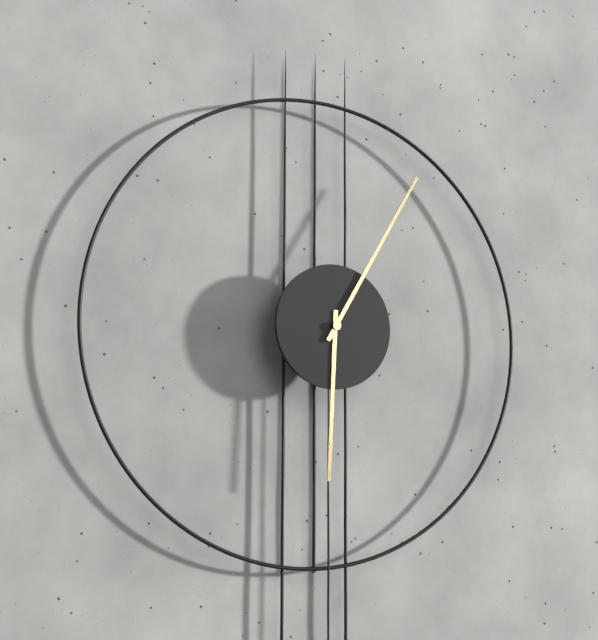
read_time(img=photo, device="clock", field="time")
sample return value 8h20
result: 6h05
